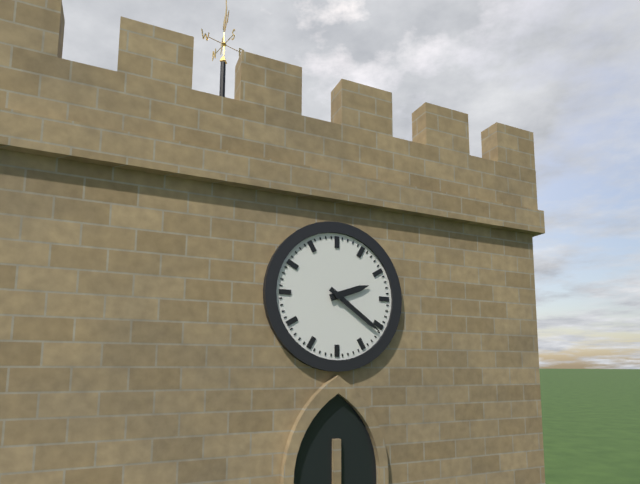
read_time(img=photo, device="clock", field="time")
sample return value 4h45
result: 2h21
